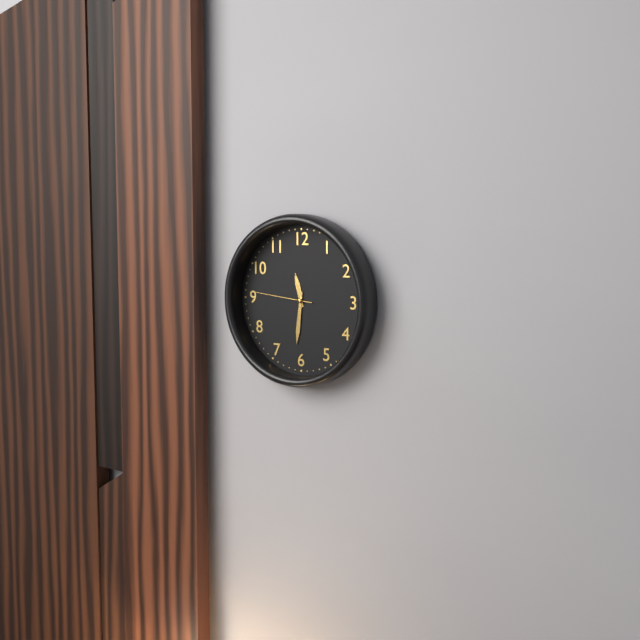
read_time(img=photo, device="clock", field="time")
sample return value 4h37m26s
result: 11h31m46s
